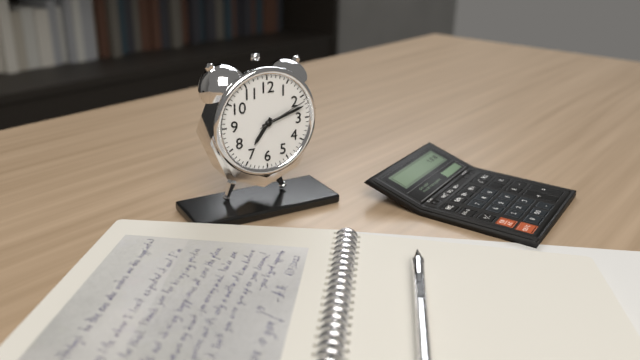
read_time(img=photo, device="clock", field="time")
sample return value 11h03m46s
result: 7h12m11s
